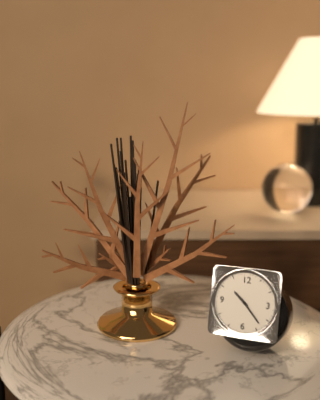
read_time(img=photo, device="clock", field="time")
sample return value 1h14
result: 10h23
